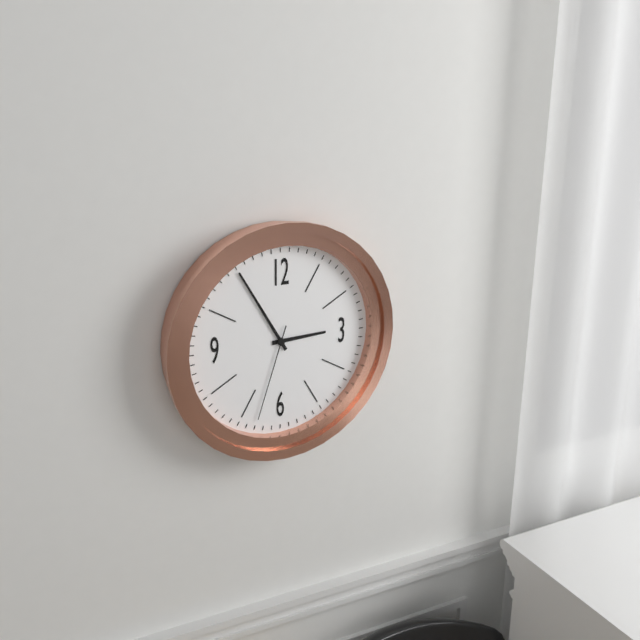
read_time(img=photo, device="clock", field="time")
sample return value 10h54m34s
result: 2h55m33s
